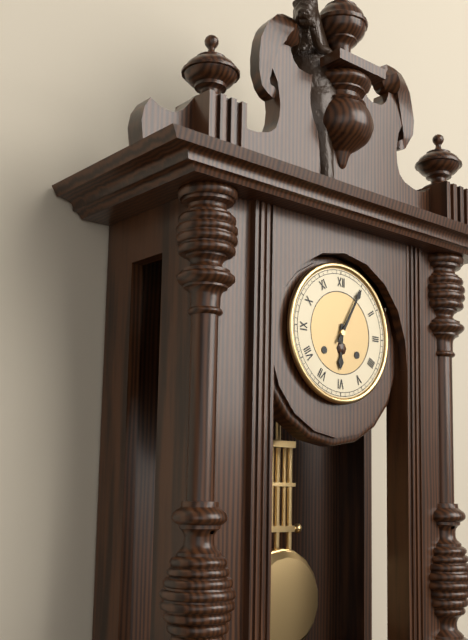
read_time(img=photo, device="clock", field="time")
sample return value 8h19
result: 6h05
